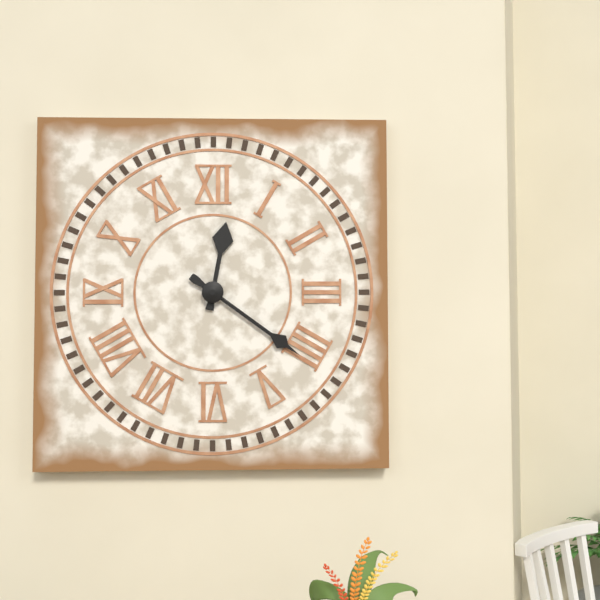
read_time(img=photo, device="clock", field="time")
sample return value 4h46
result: 12h21
